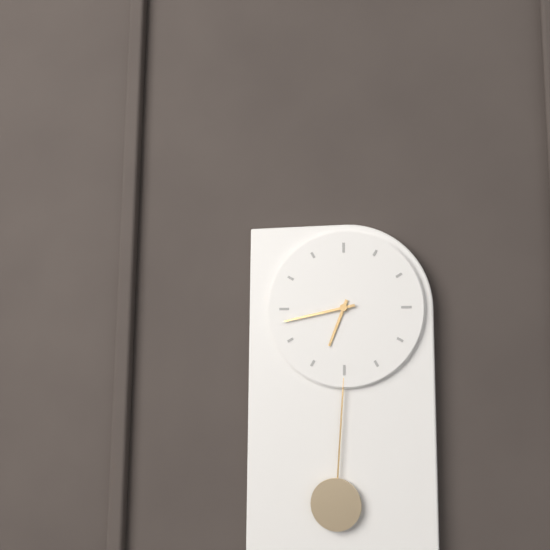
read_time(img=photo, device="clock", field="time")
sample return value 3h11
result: 6h43
